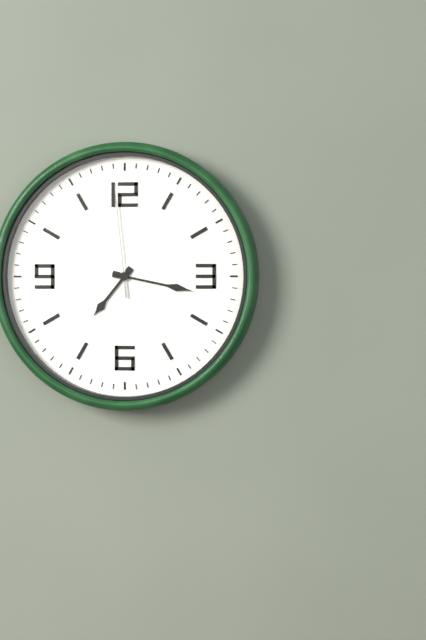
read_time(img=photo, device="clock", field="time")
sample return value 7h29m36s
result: 7h17m59s
